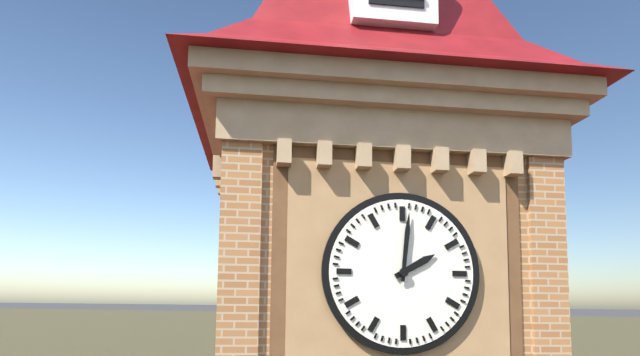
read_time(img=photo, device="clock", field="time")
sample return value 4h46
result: 2h01
